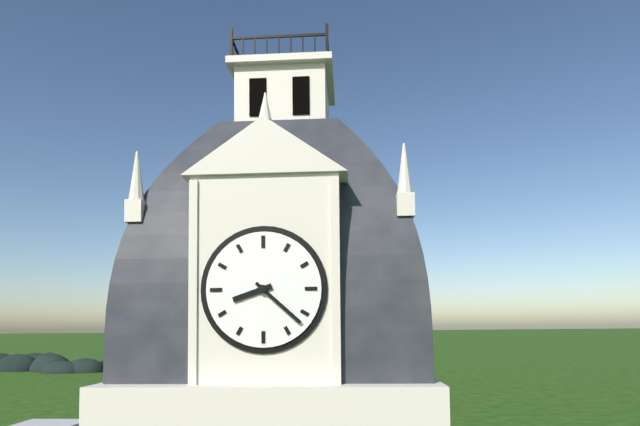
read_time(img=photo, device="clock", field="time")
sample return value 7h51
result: 8h22
